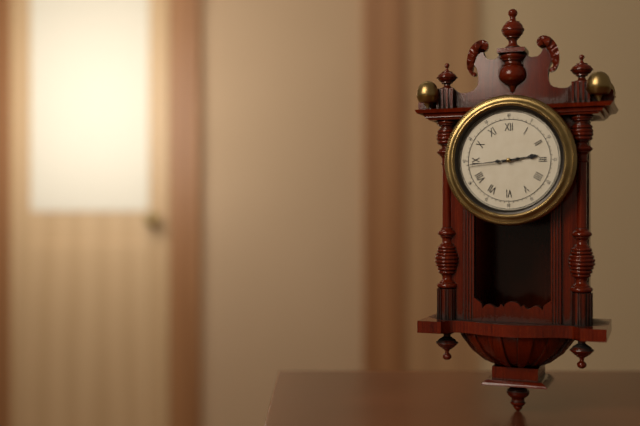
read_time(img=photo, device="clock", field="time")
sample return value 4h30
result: 2h44
